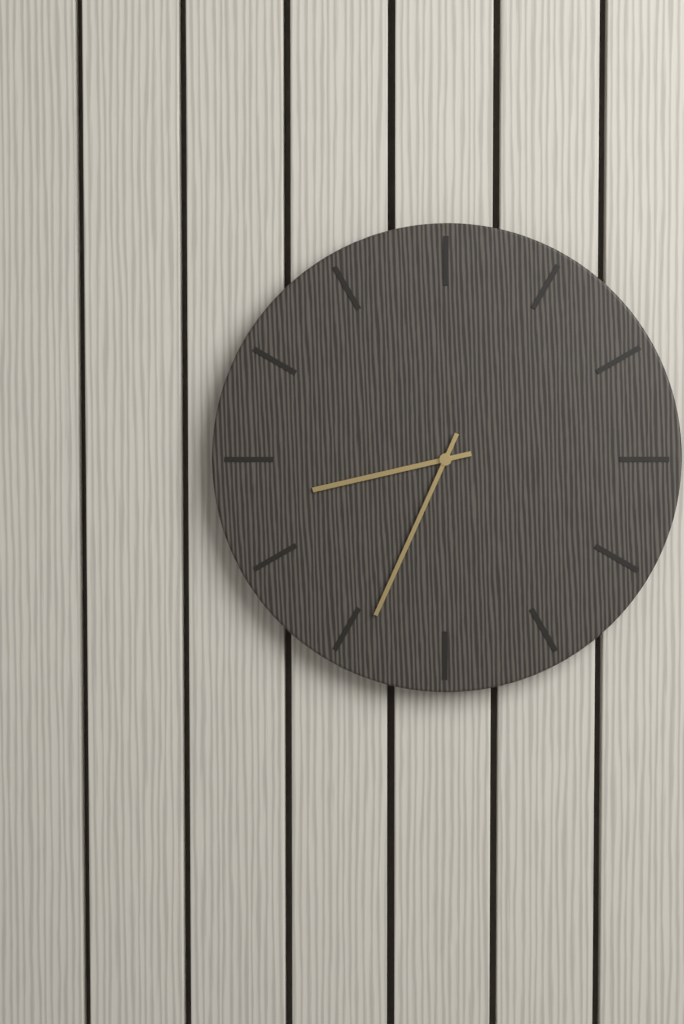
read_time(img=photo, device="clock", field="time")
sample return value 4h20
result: 8h34
